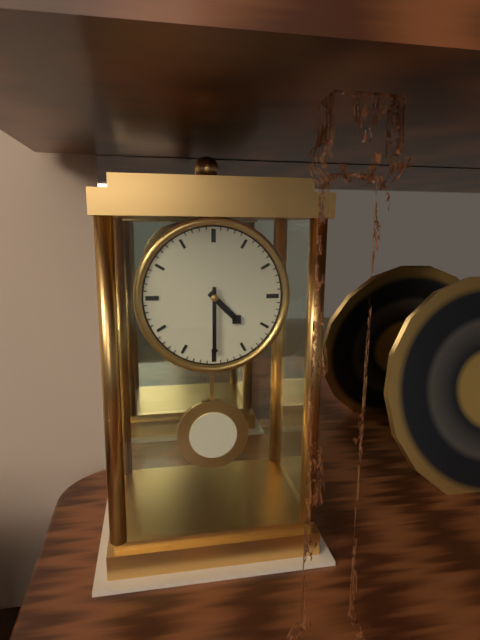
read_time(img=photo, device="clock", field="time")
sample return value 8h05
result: 4h30
